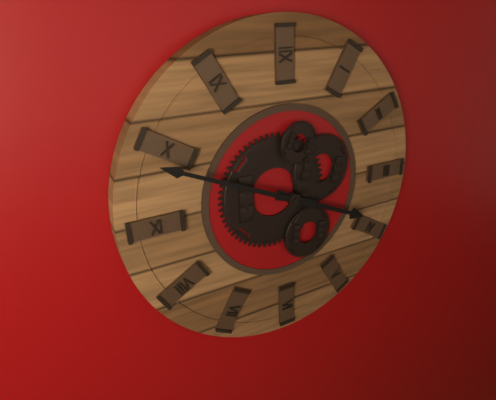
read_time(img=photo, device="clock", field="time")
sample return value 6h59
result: 3h49
